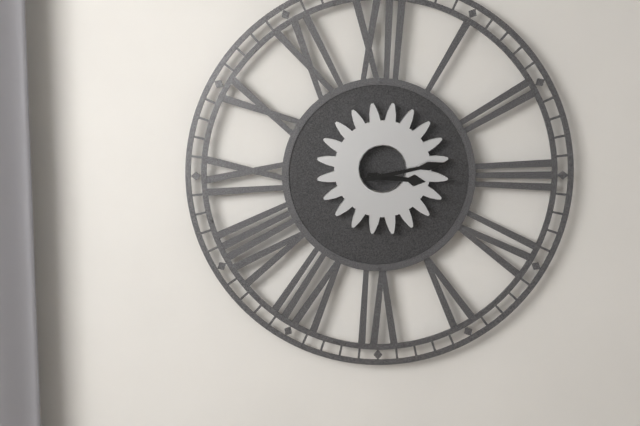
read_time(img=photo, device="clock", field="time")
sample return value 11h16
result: 3h13
